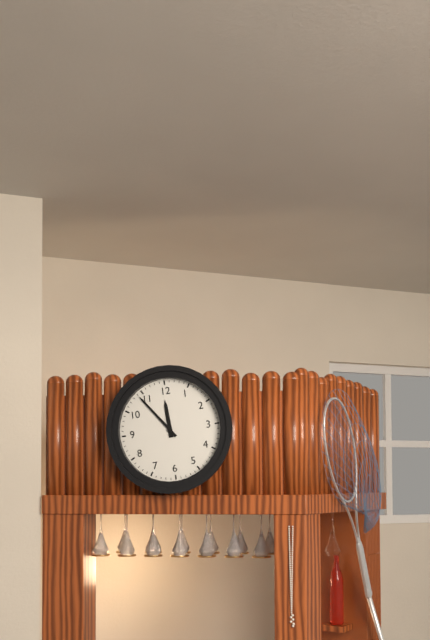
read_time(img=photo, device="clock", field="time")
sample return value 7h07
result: 11h54
